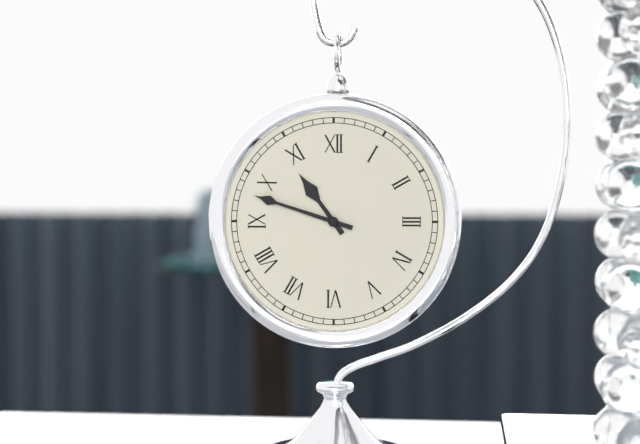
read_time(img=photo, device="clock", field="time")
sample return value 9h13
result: 10h48
